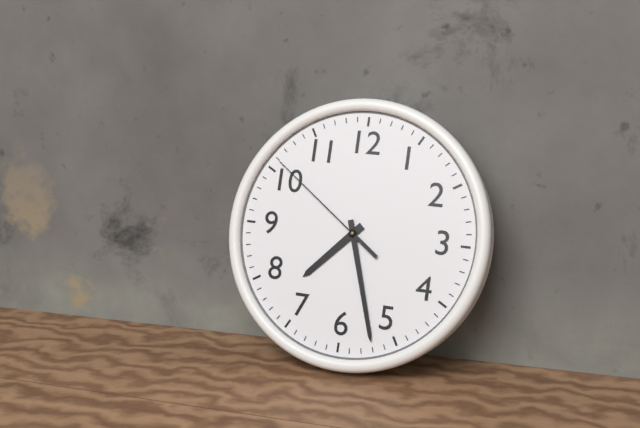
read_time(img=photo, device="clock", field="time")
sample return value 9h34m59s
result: 7h27m51s
